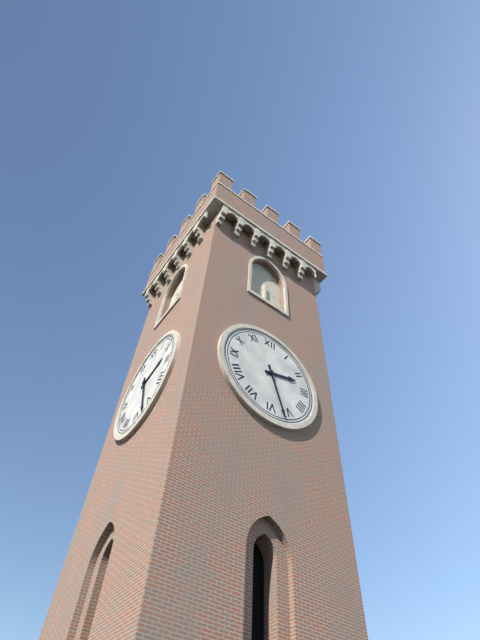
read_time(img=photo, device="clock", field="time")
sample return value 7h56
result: 2h27
